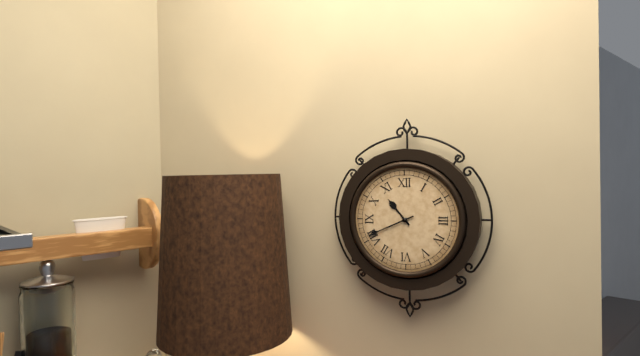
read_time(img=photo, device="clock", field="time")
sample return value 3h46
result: 10h41
